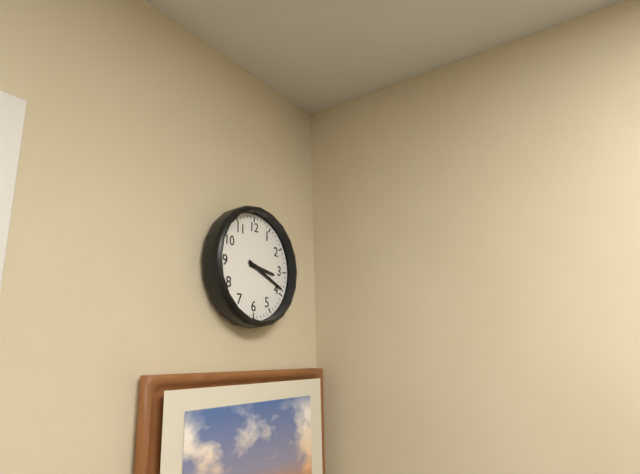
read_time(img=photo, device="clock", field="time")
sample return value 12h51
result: 3h19
